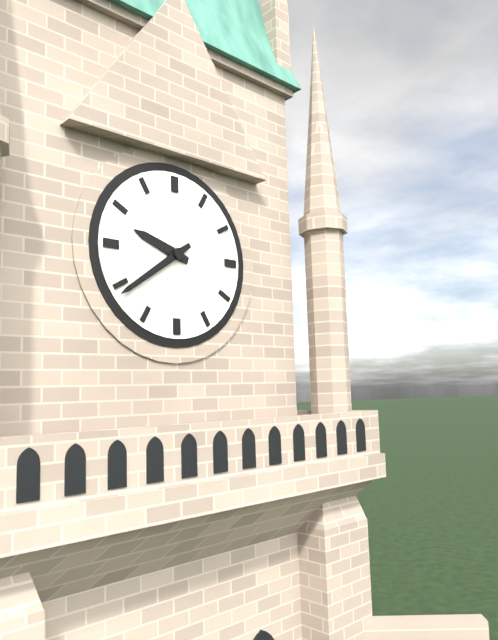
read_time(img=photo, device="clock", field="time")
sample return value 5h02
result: 9h39
